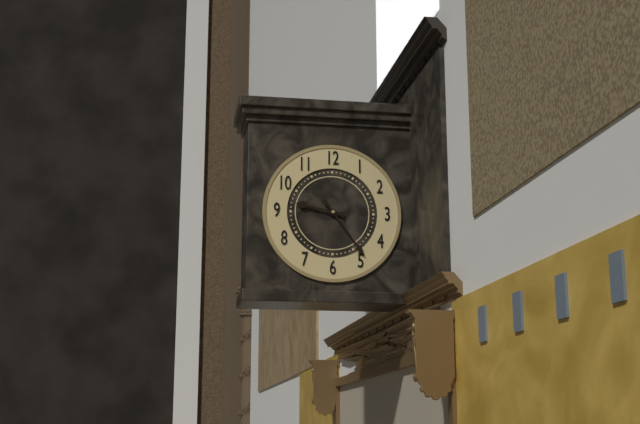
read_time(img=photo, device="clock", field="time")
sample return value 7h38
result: 9h24
